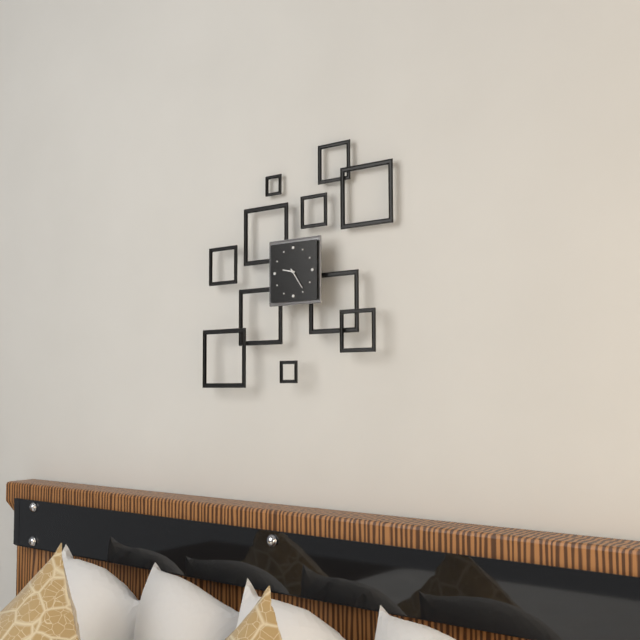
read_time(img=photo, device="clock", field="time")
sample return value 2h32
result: 9h24
